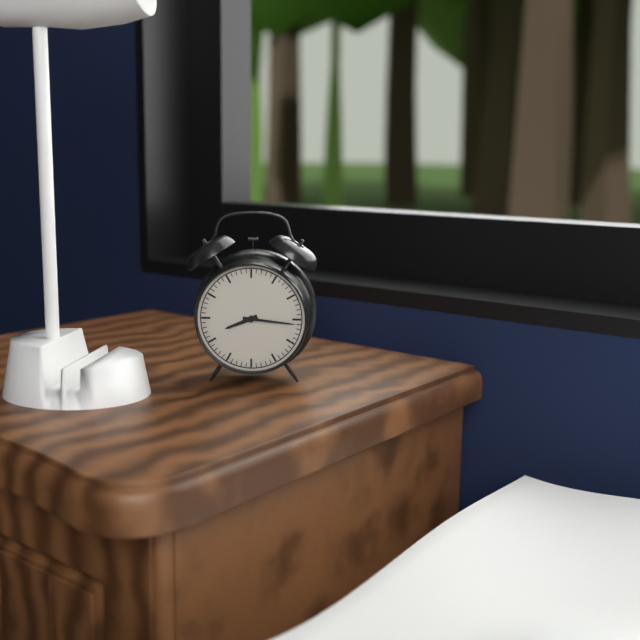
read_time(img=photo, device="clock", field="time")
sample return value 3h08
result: 8h16
